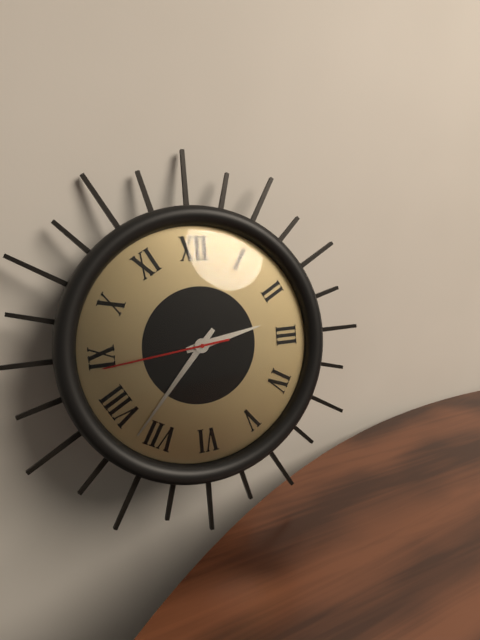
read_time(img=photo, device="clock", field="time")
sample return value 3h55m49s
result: 2h37m44s
